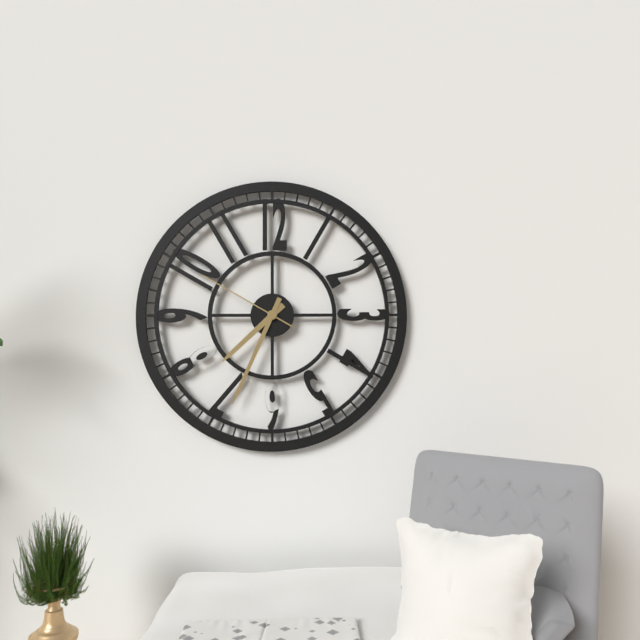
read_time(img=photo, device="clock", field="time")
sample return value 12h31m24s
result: 7h34m50s
